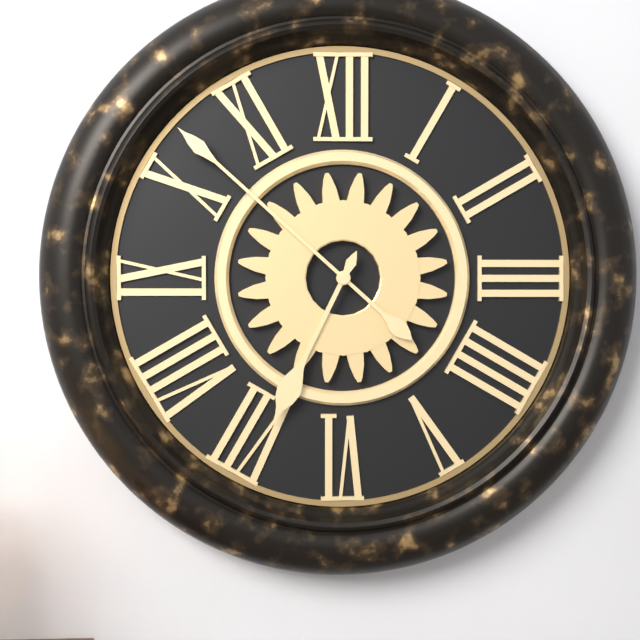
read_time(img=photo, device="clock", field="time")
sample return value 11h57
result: 6h52
